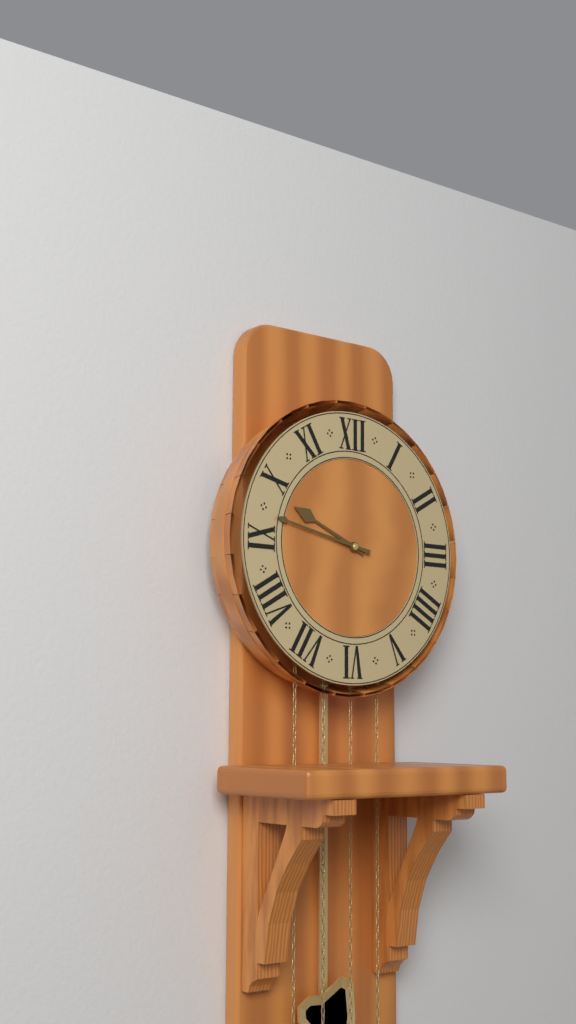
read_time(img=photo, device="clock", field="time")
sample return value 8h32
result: 9h47
